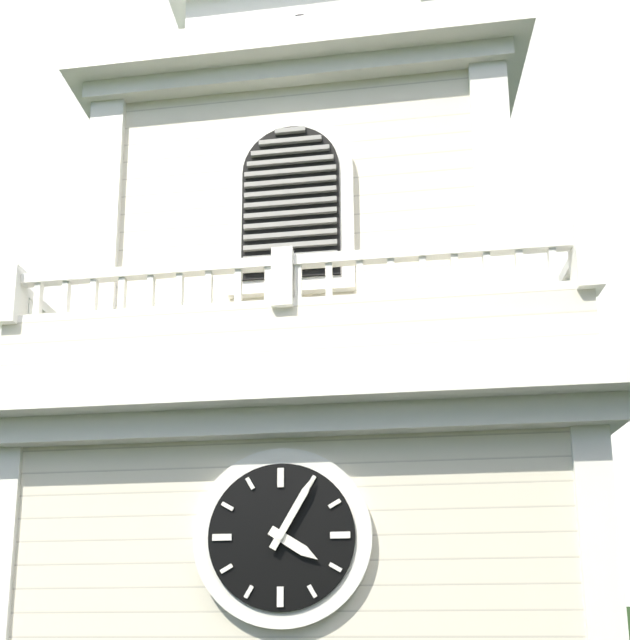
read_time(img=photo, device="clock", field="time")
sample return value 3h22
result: 4h05
